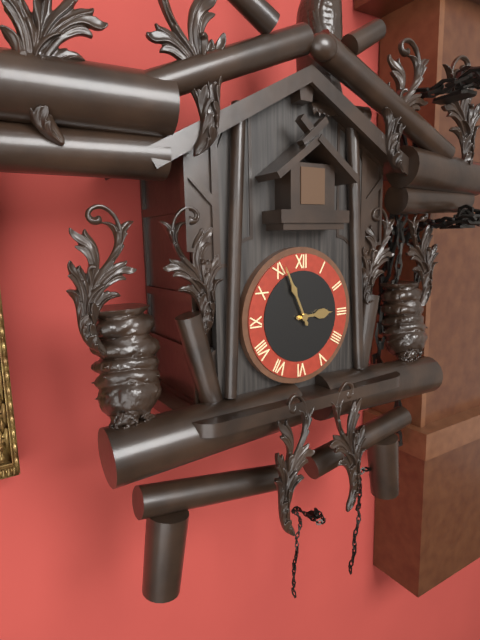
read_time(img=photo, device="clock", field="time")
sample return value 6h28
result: 2h56
